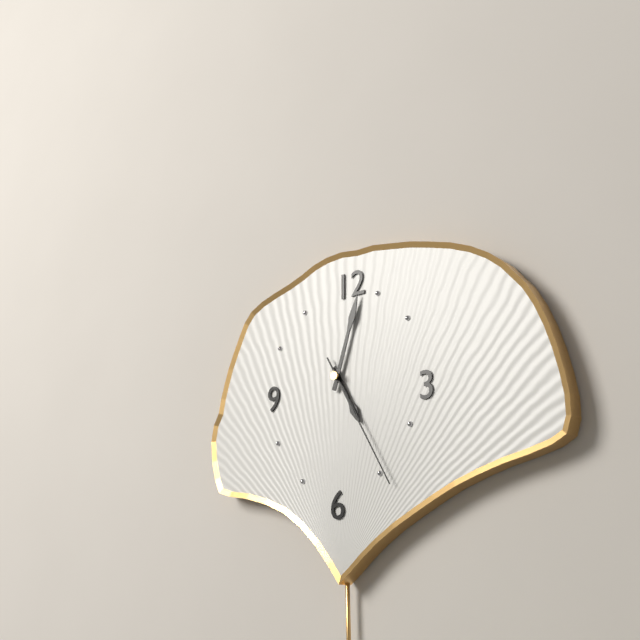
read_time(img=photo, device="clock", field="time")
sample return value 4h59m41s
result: 5h03m25s
